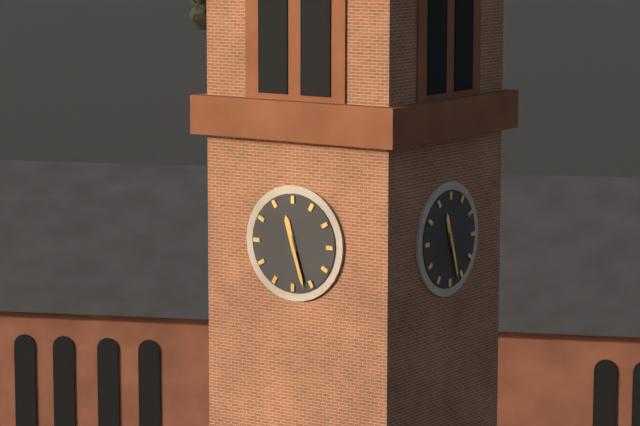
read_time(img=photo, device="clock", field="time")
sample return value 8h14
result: 11h27
